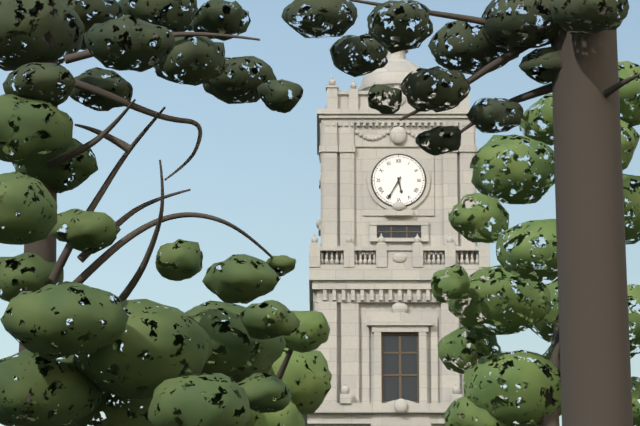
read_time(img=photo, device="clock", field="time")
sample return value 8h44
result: 5h35
